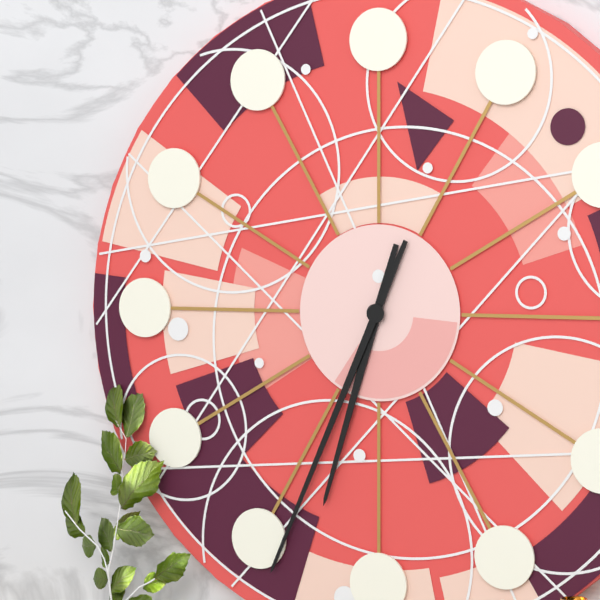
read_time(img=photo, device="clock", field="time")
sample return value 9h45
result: 6h34
